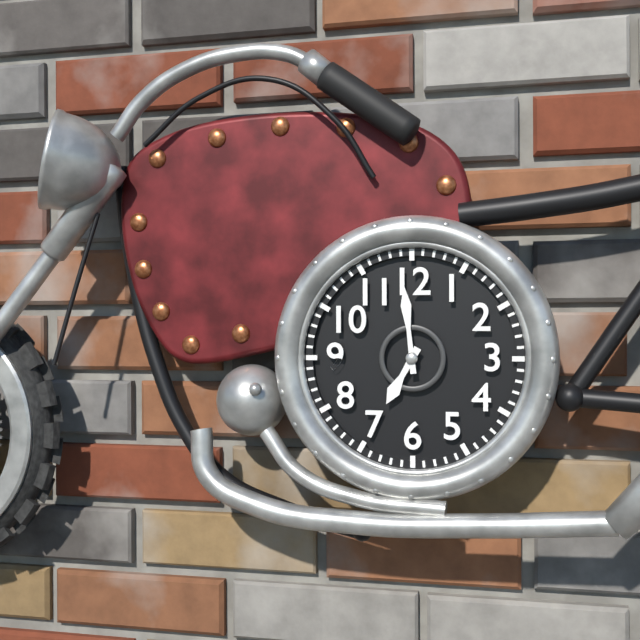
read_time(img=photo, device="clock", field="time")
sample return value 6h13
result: 6h59
